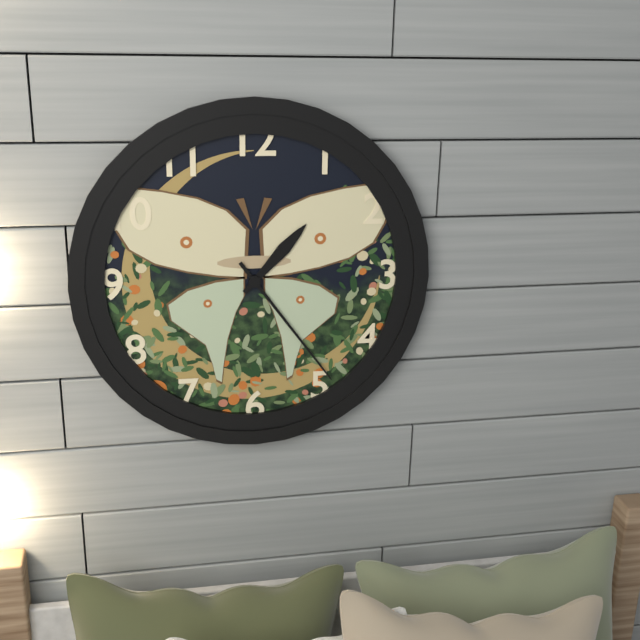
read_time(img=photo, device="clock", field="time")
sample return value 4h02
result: 1h24
